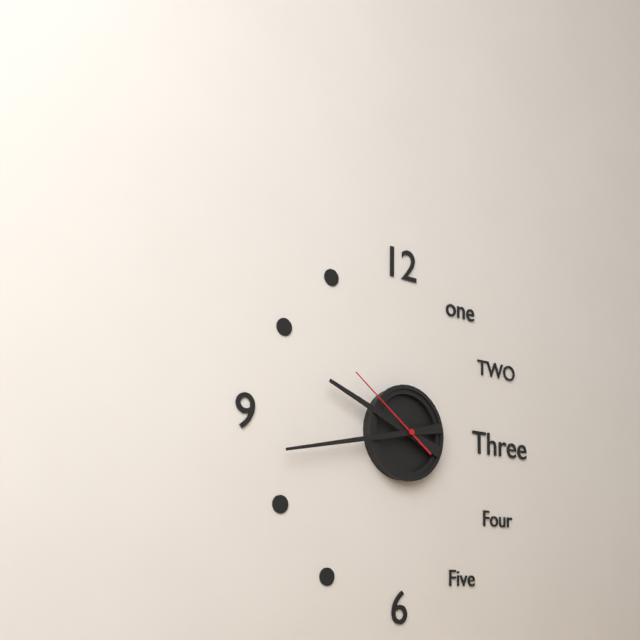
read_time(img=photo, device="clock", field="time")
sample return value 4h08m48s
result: 9h43m51s
